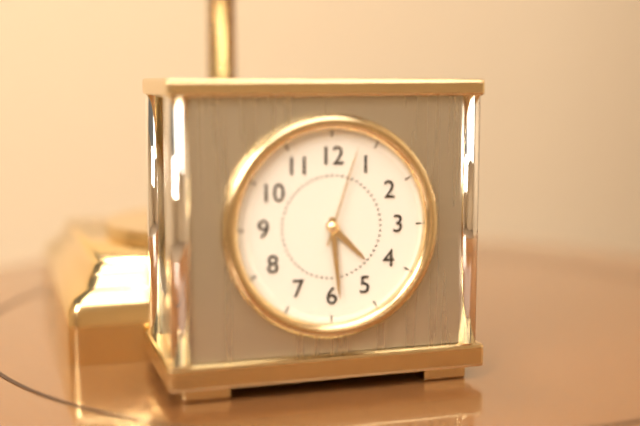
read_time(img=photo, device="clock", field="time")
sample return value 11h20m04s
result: 4h29m03s
